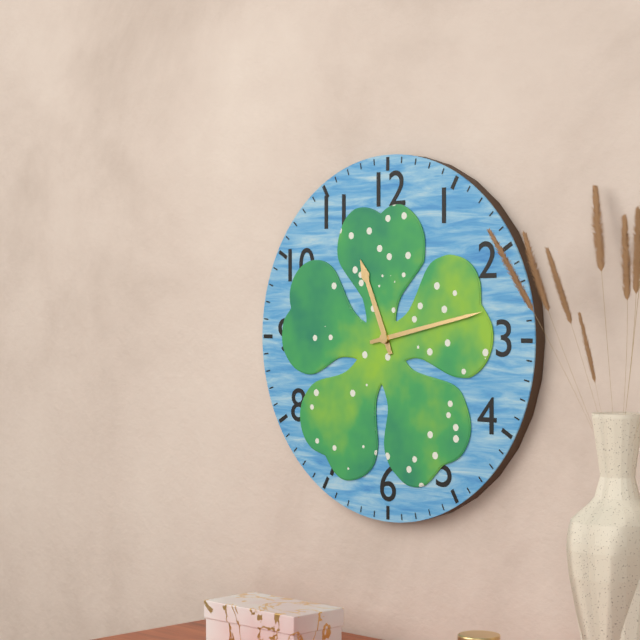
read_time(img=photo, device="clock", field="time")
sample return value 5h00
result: 11h13
